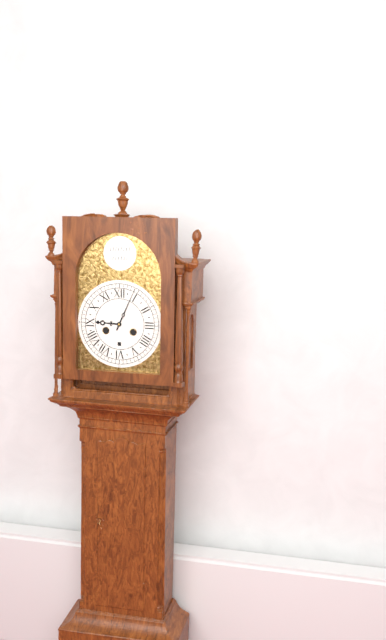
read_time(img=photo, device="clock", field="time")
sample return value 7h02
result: 9h04
